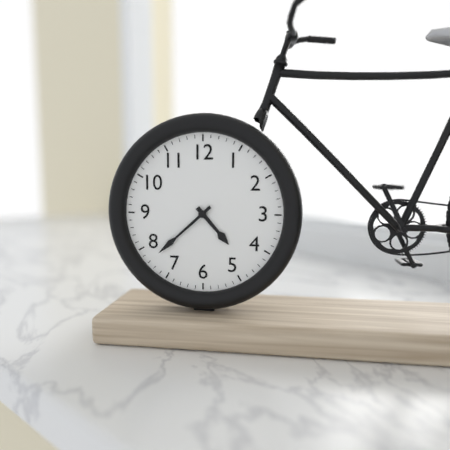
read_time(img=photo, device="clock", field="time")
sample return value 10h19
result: 4h38
